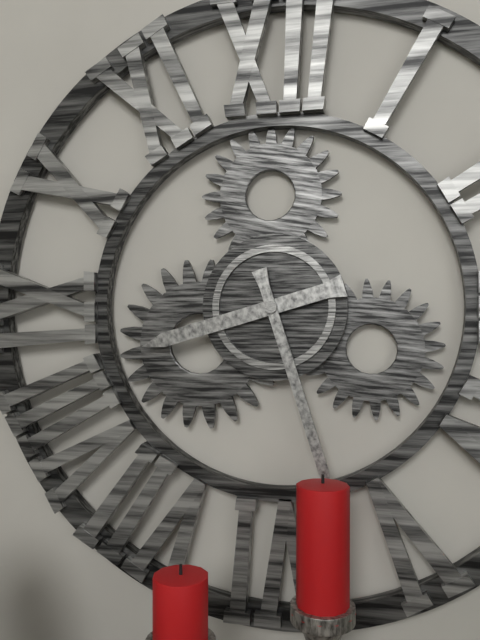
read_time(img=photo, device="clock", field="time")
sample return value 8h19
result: 8h27
